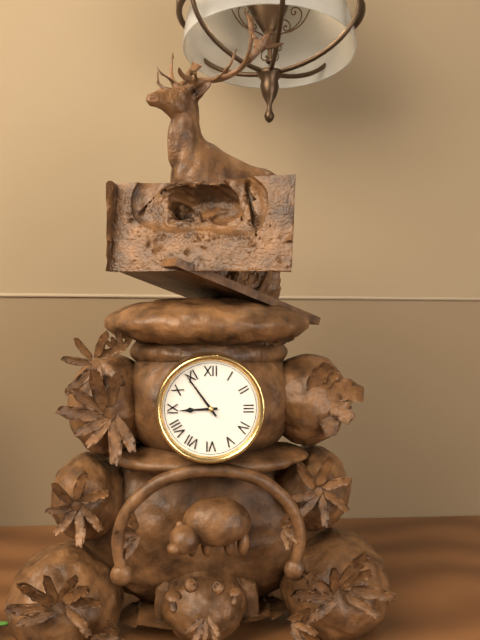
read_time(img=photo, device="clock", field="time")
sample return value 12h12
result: 8h54
